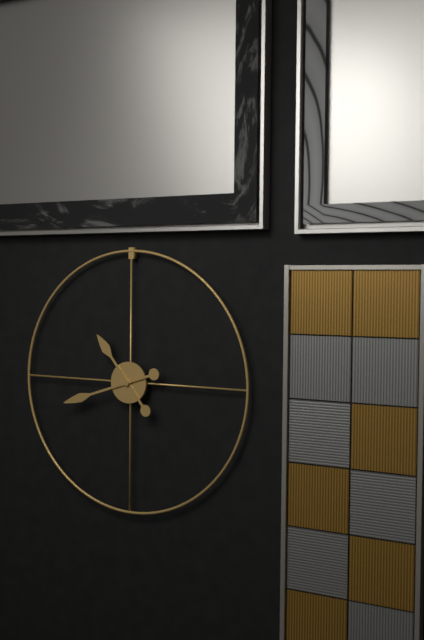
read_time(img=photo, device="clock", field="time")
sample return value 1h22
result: 10h42
